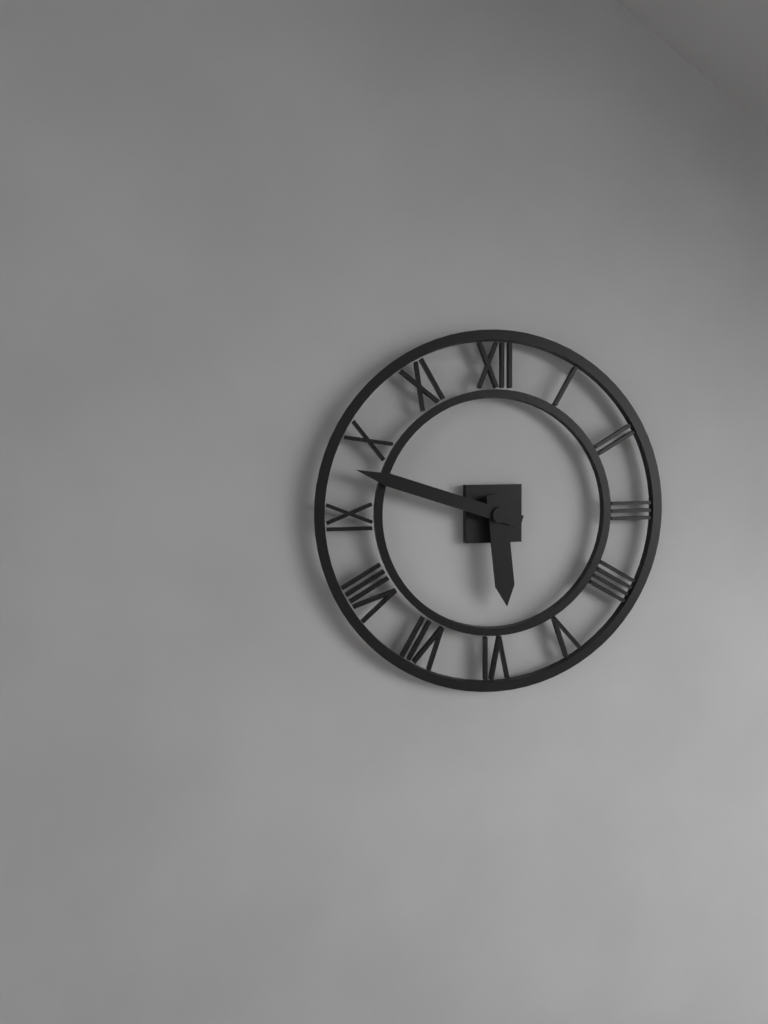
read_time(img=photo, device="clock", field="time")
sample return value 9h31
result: 5h48
